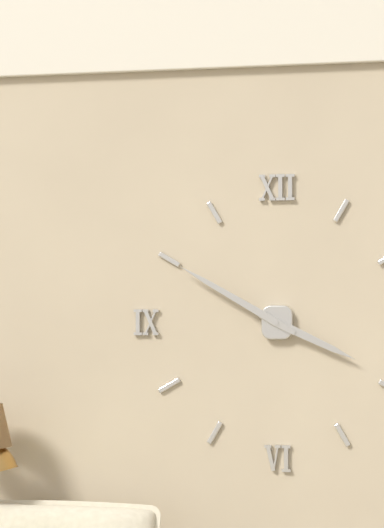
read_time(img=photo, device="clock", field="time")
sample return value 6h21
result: 3h50
